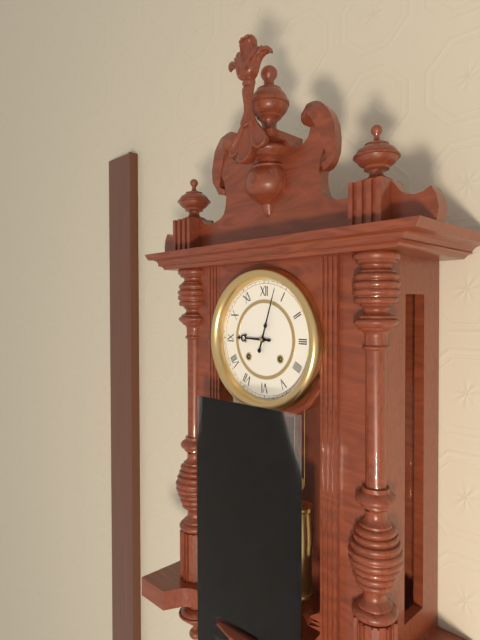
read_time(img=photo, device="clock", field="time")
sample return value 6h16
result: 9h03
